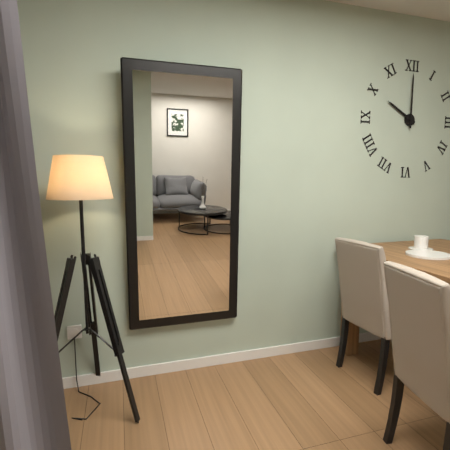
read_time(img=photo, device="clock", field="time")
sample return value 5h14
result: 10h00
